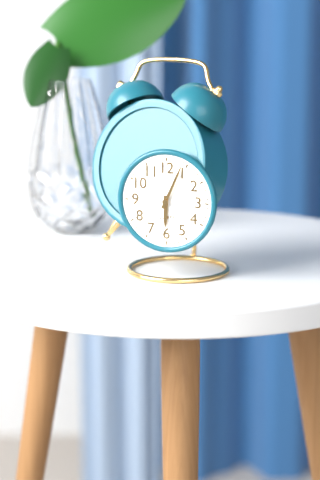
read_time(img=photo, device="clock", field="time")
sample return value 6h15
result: 6h04
